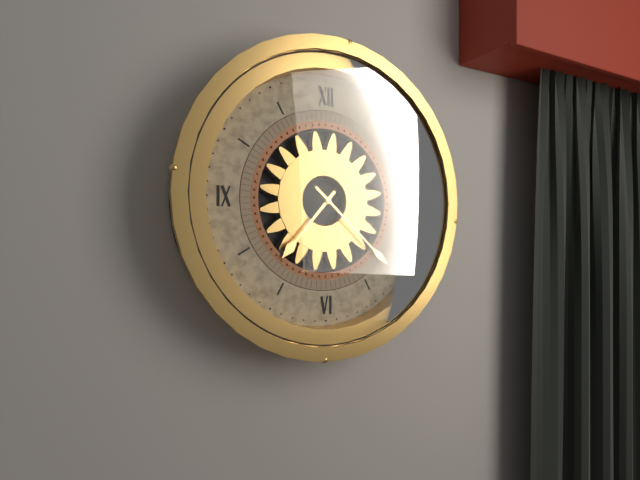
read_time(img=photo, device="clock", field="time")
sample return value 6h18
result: 7h22
